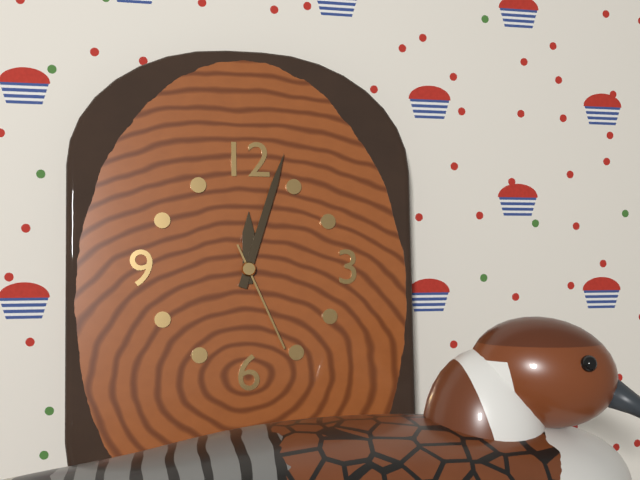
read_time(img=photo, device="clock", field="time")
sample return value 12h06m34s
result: 12h03m26s
